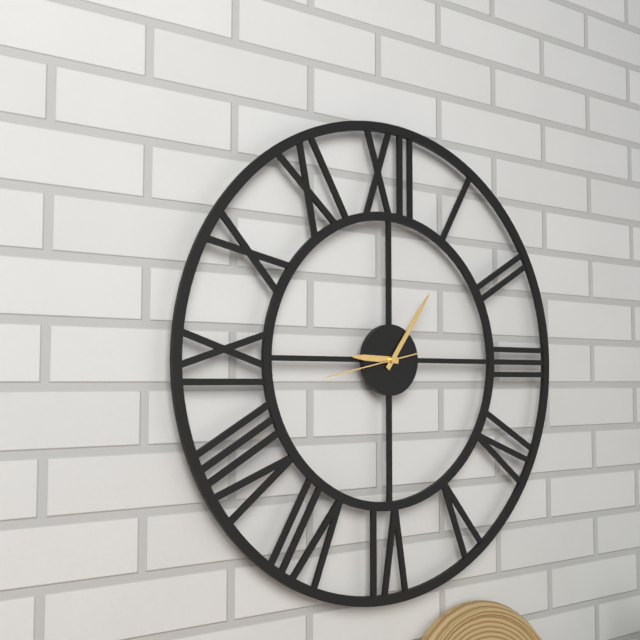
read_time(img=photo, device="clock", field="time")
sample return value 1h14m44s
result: 9h06m43s
